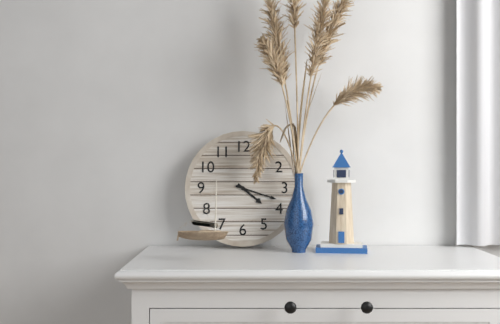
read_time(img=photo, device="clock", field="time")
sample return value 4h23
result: 4h18
